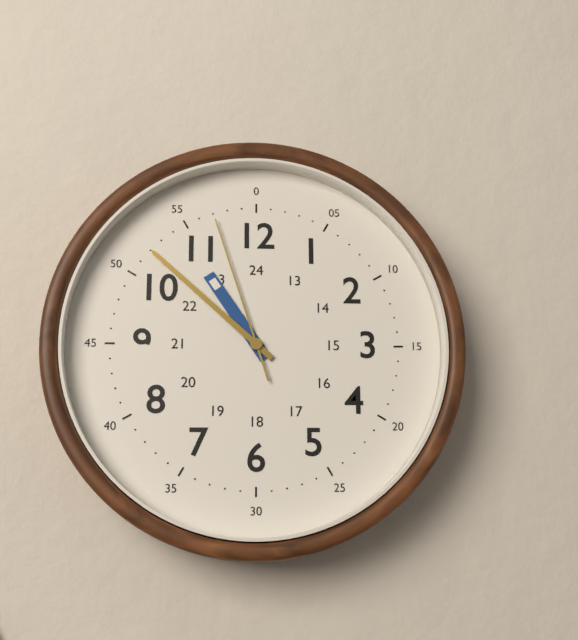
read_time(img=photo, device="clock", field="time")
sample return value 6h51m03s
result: 10h52m57s
